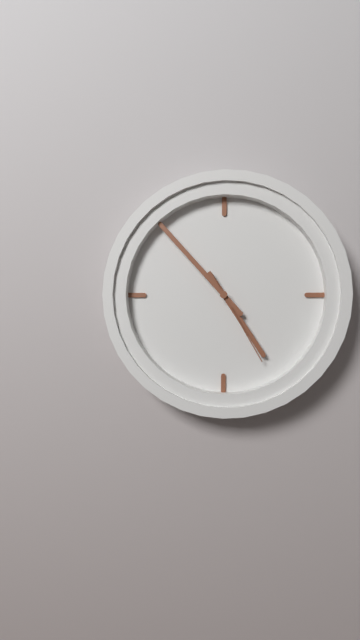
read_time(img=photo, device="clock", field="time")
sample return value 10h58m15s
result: 4h53m25s
